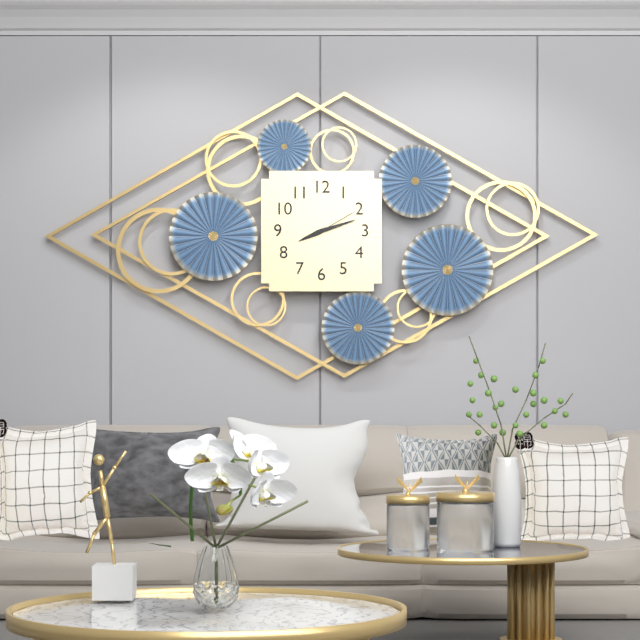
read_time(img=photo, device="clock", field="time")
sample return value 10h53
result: 8h12
